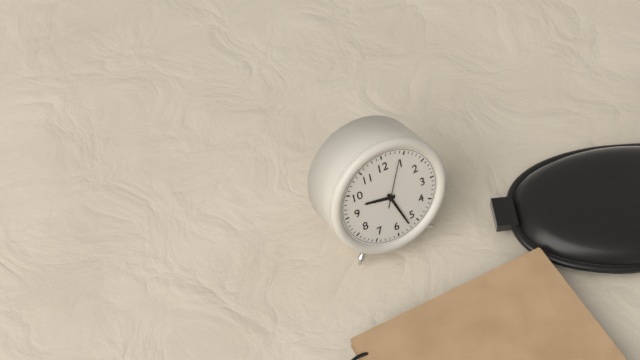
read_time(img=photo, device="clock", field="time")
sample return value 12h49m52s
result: 9h27m04s
